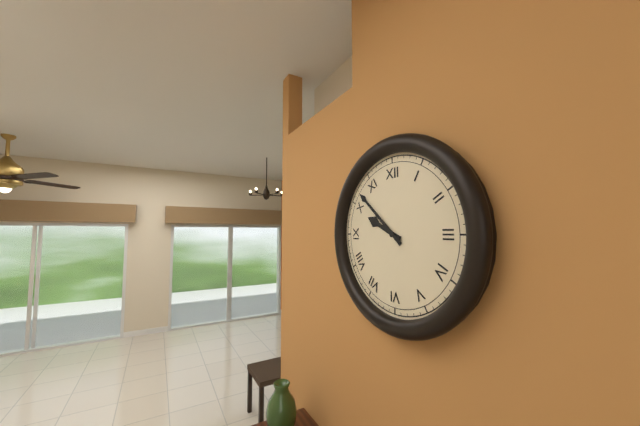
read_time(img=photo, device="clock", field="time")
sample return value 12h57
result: 9h52
